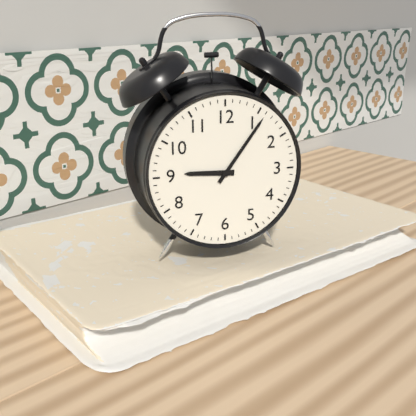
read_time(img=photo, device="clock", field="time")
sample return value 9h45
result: 9h06
